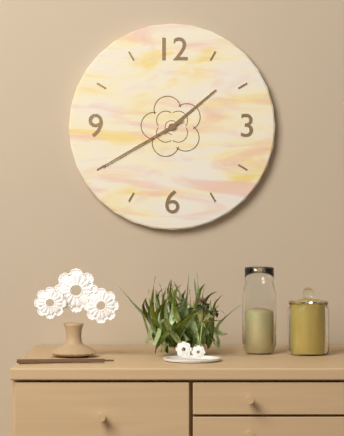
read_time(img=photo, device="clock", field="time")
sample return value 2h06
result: 1h40
